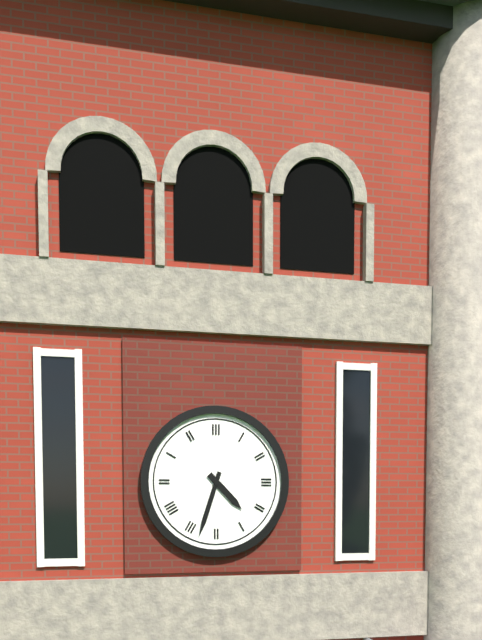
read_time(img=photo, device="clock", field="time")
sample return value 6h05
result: 4h33
